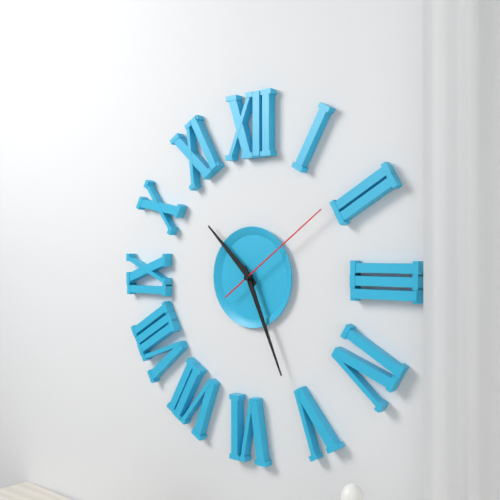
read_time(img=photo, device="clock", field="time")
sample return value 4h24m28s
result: 10h26m09s
